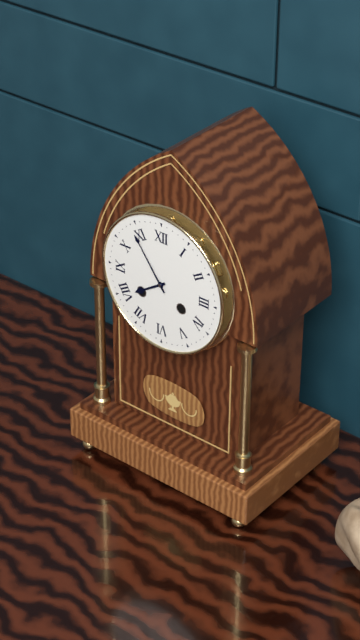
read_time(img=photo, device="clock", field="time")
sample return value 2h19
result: 7h54
